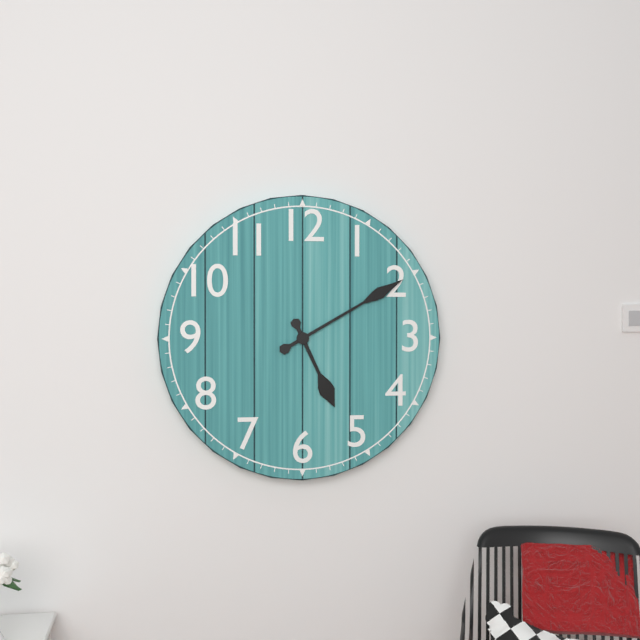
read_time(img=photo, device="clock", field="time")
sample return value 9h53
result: 5h10
